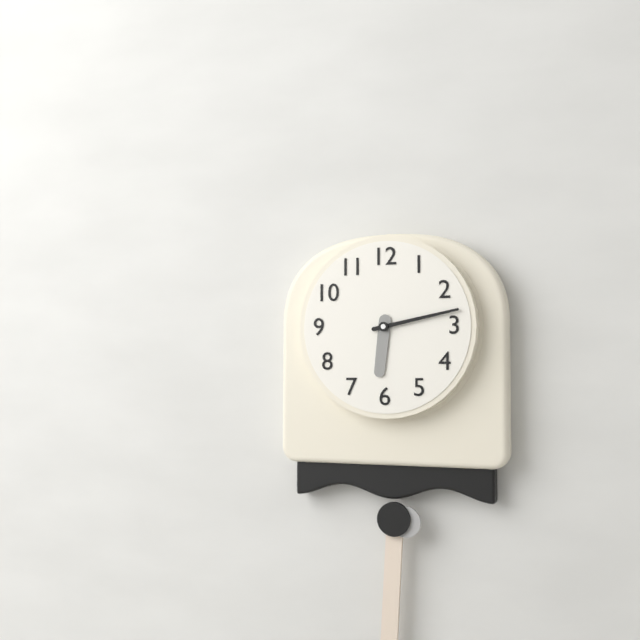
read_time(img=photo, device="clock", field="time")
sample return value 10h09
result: 6h13
